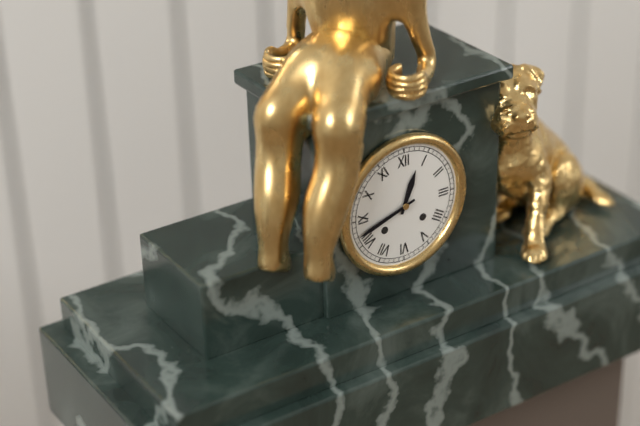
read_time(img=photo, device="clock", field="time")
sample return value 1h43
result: 12h42
